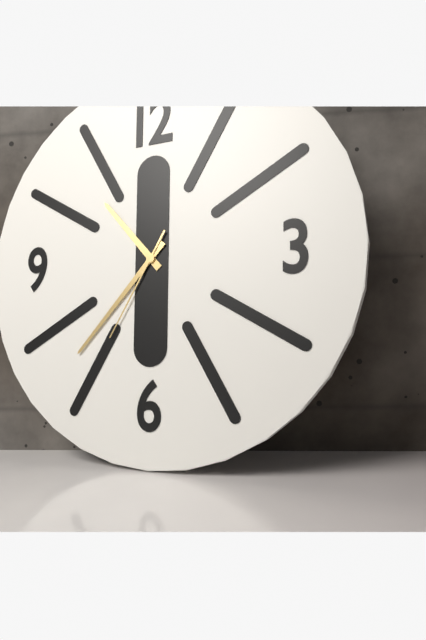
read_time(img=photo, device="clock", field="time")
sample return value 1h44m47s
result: 10h37m35s
